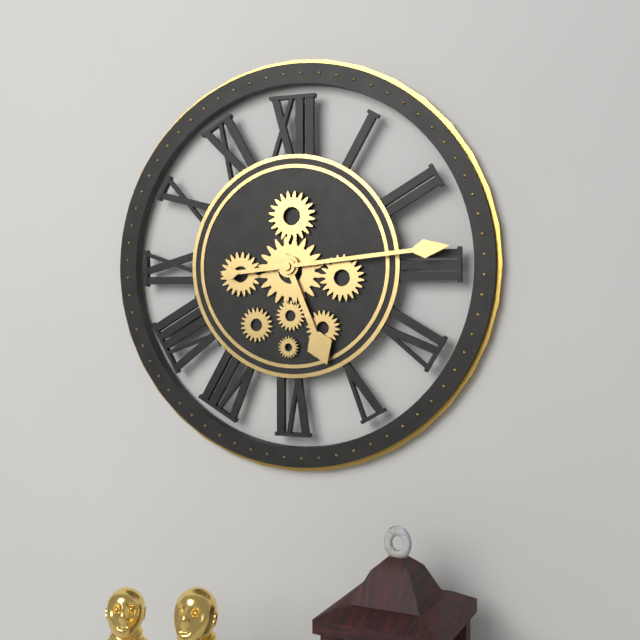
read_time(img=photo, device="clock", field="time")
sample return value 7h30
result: 5h14
